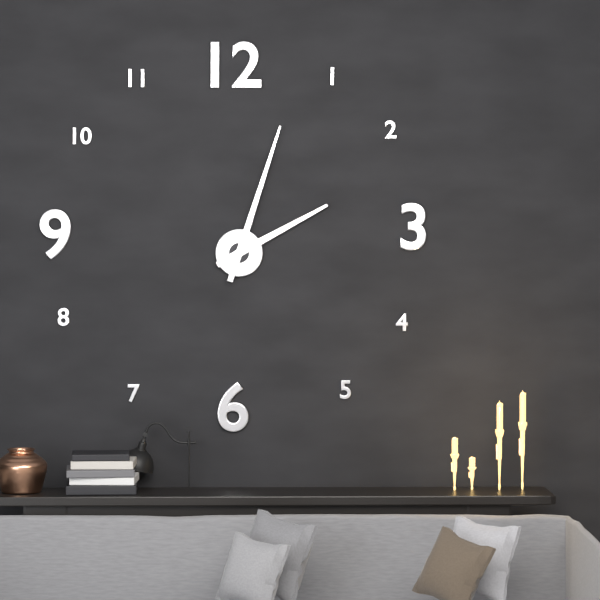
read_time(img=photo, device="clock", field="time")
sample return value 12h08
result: 2h03
